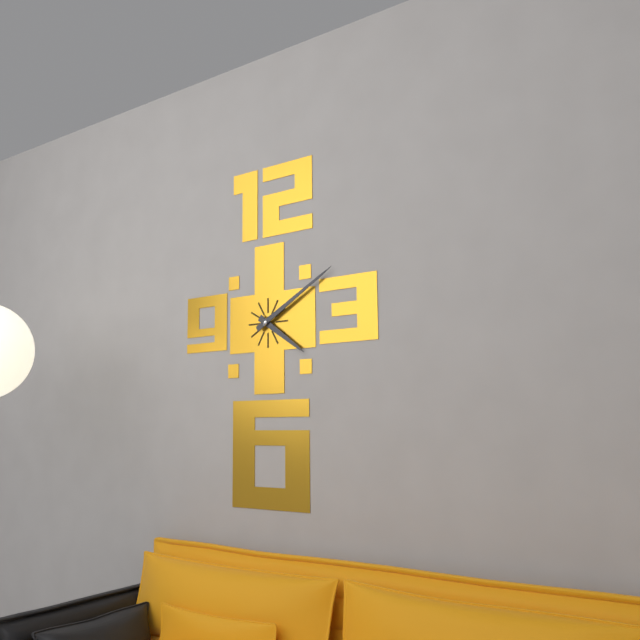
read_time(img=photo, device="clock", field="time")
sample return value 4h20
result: 4h10
